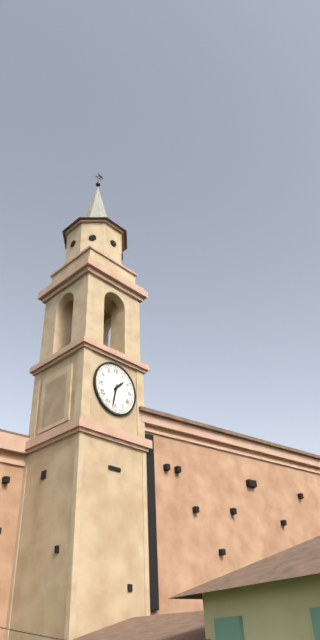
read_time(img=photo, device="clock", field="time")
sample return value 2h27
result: 1h32
